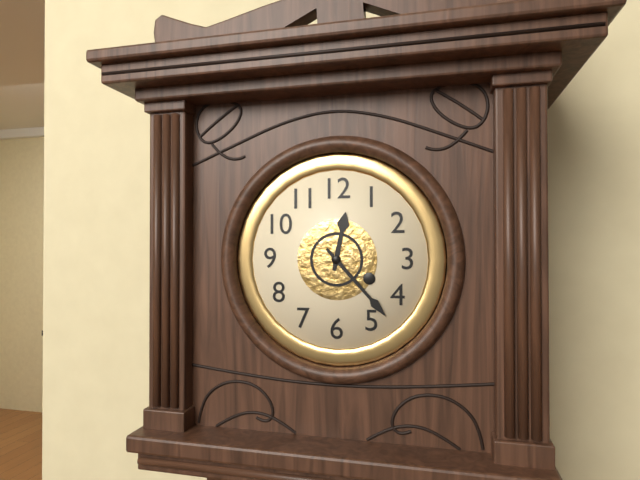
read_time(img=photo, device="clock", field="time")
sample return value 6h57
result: 12h23
